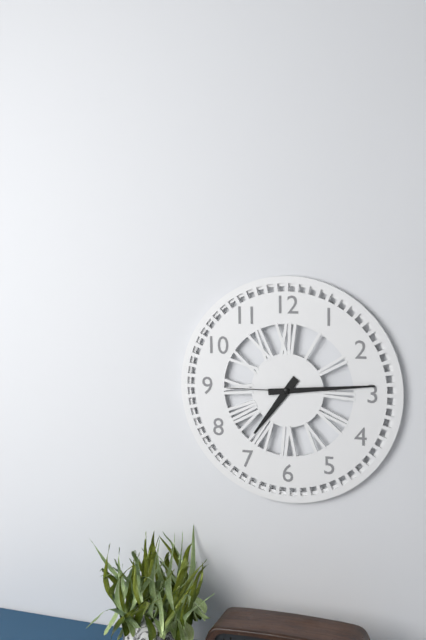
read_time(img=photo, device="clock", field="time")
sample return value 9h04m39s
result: 7h14m45s
